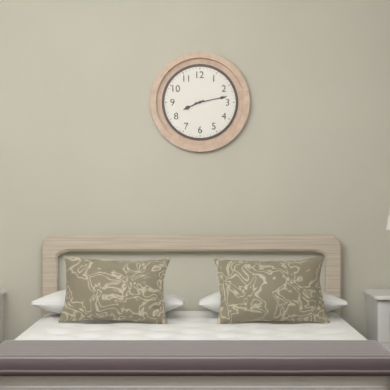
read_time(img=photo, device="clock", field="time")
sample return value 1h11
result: 8h13
